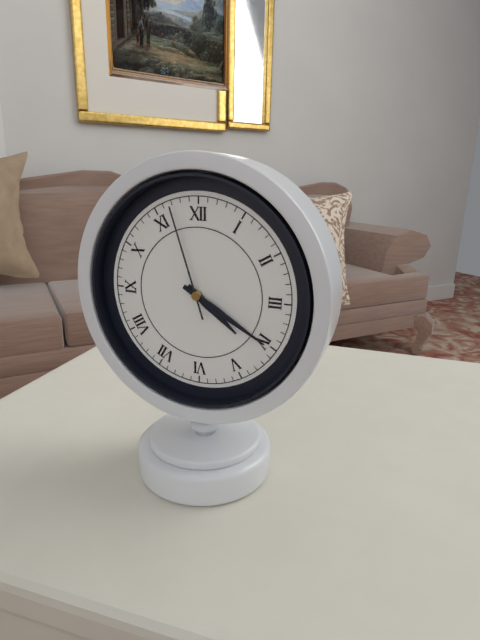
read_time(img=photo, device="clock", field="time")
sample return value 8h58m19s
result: 4h20m57s
